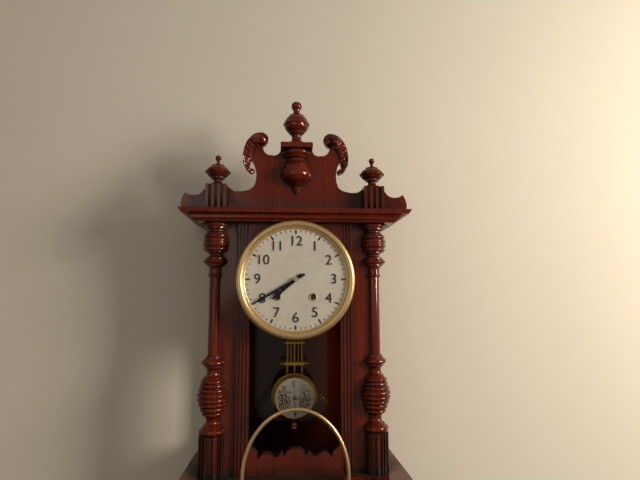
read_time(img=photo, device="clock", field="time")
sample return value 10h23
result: 7h40
